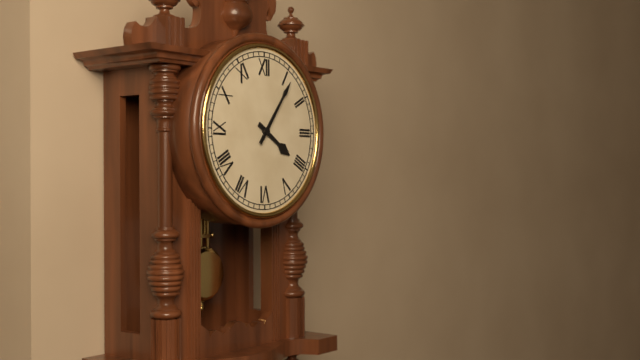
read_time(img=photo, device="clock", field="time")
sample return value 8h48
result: 4h06
